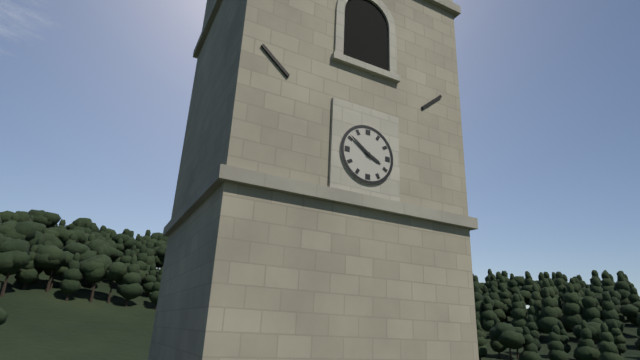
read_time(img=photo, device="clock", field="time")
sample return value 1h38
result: 3h51
